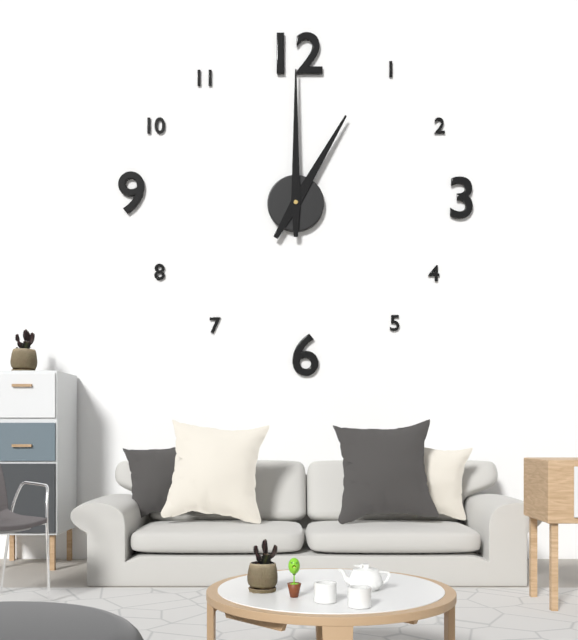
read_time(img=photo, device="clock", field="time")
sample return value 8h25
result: 1h00
